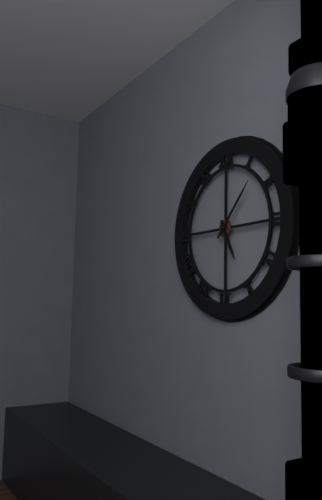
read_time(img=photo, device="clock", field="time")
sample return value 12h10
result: 5h07
